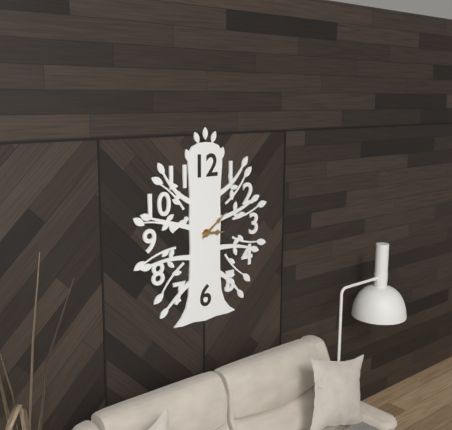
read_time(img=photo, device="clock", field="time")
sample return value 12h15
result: 3h09
